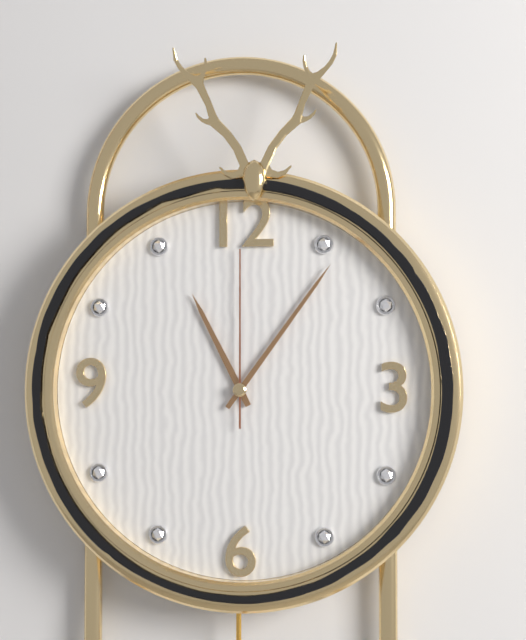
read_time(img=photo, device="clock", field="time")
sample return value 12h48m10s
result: 11h06m00s
